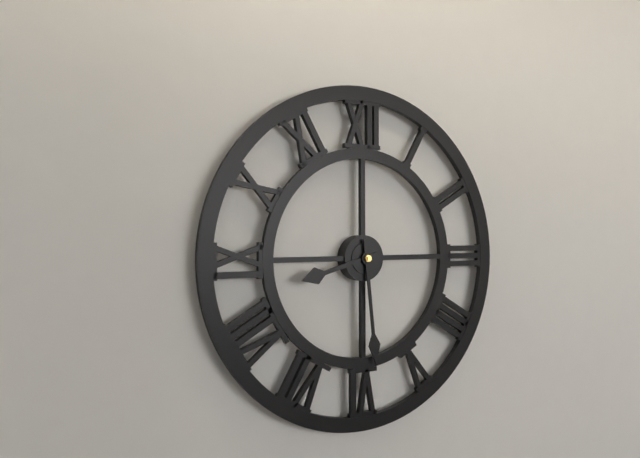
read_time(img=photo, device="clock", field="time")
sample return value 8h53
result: 8h29
